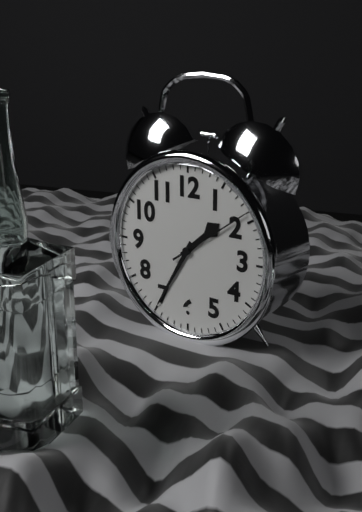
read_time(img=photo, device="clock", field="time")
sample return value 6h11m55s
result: 1h35m09s
